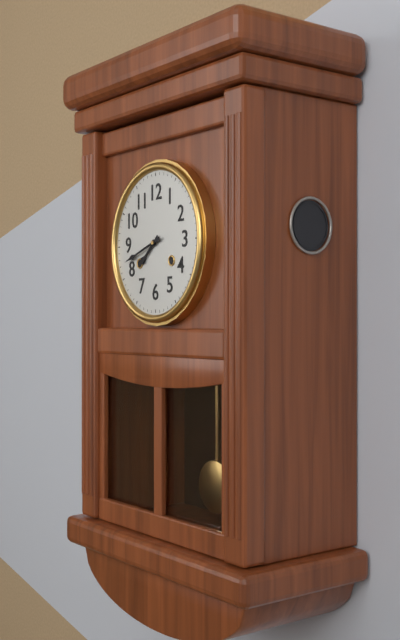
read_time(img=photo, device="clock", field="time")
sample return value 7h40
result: 7h42
